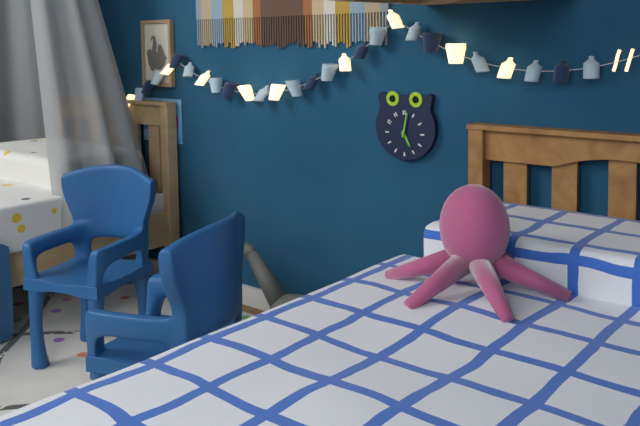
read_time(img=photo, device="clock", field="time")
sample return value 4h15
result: 5h02
